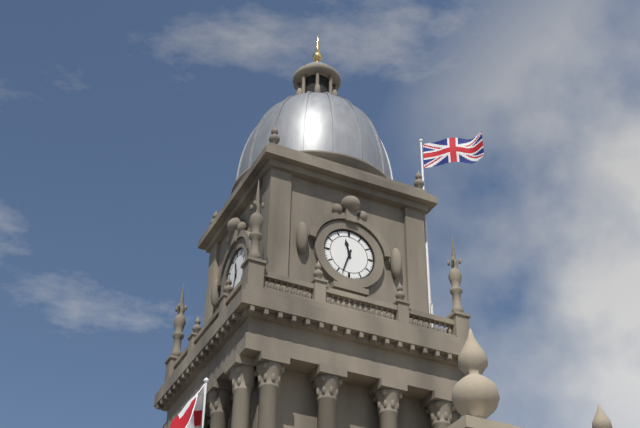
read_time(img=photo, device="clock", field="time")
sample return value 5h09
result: 11h33
